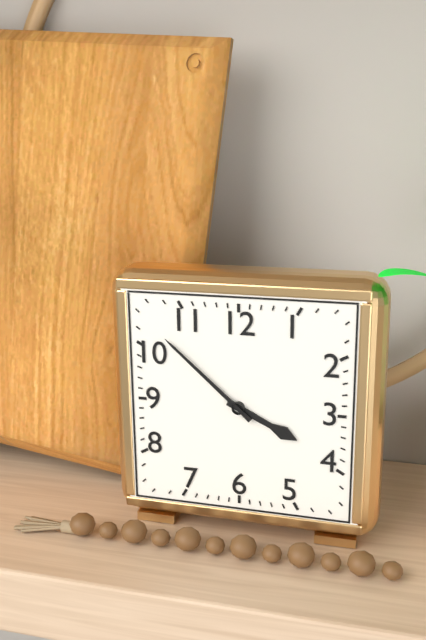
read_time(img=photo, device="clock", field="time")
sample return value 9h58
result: 3h52
